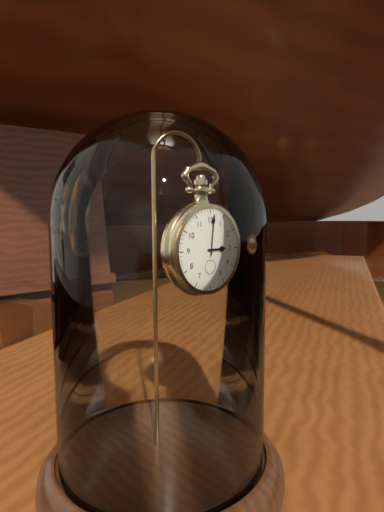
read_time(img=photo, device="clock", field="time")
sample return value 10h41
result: 3h01
